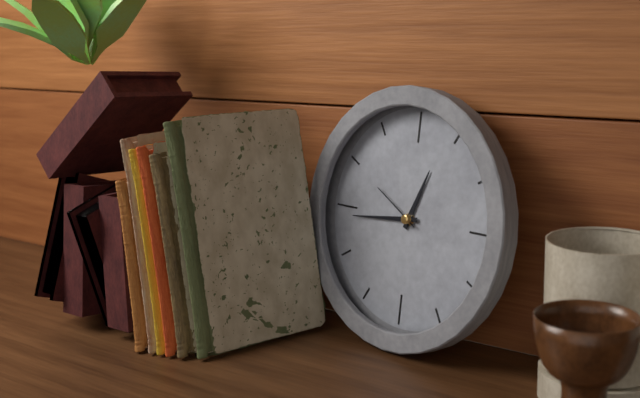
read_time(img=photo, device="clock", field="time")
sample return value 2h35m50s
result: 12h44m50s
